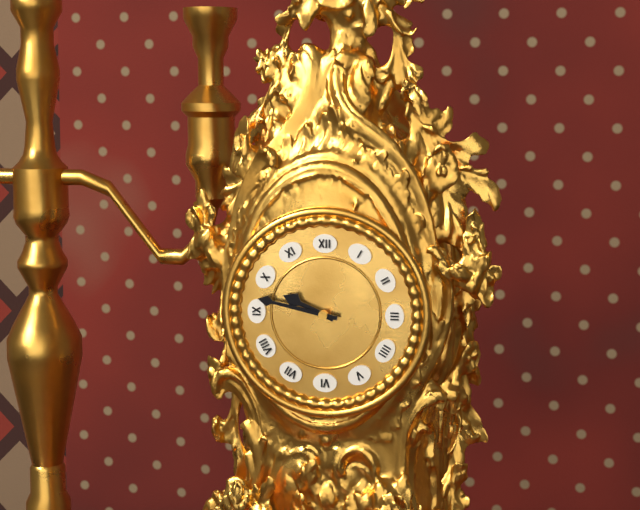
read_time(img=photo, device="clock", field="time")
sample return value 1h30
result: 9h47
